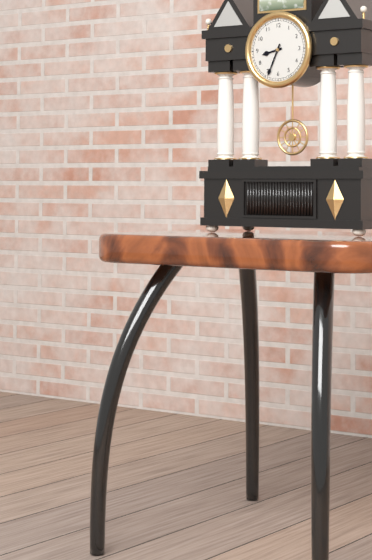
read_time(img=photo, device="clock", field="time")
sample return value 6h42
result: 8h34
